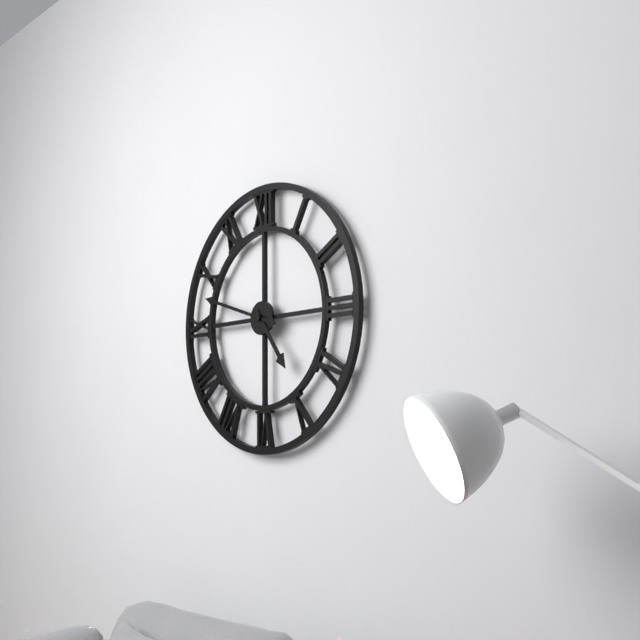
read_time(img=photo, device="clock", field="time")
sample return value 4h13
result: 4h48
